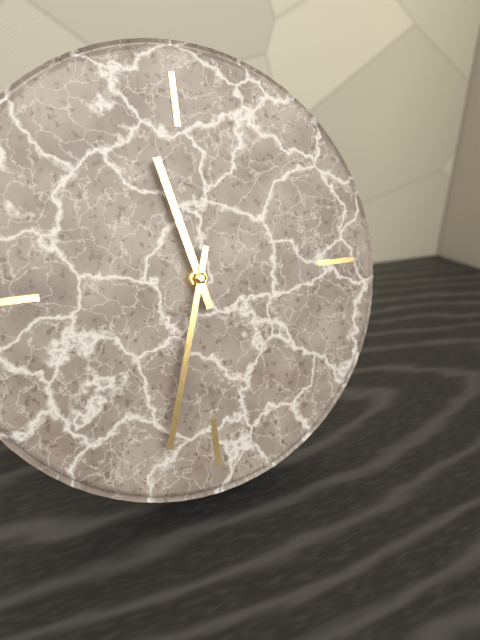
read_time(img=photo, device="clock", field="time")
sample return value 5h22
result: 11h33
